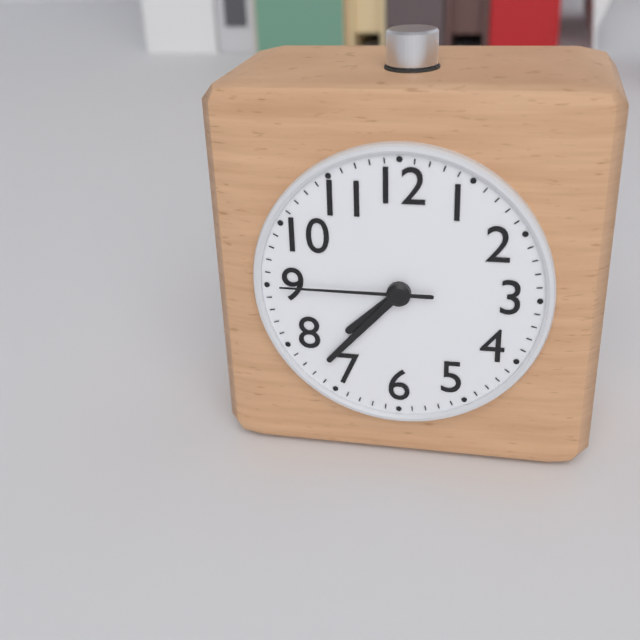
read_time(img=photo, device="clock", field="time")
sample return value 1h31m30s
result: 7h37m45s
